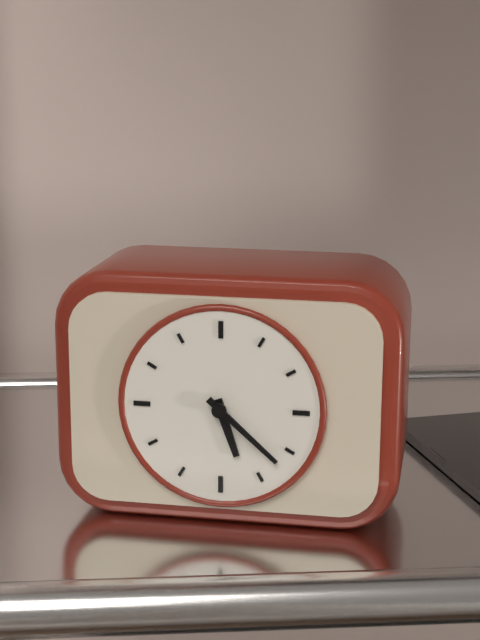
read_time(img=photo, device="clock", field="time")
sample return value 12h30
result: 5h22
